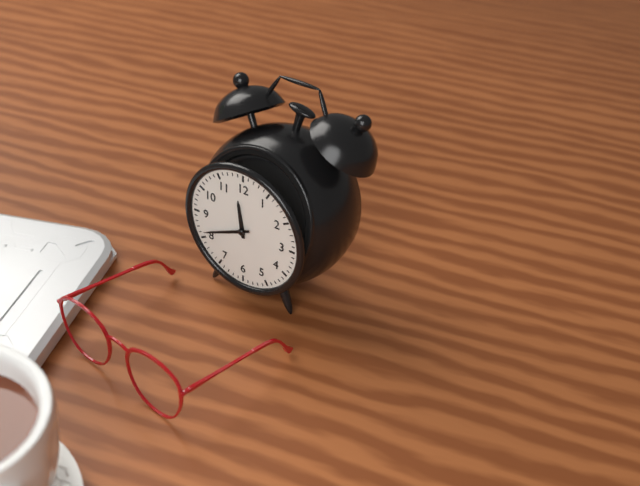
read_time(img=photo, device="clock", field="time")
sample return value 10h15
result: 11h41
